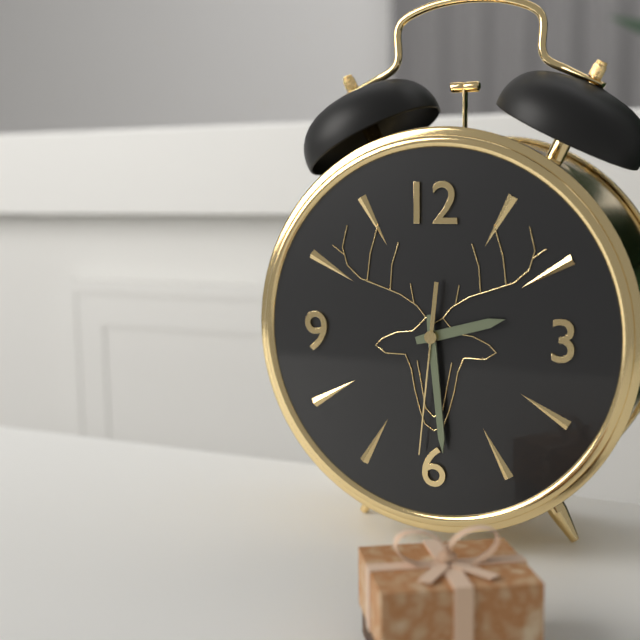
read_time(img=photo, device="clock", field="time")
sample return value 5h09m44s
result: 2h29m31s
